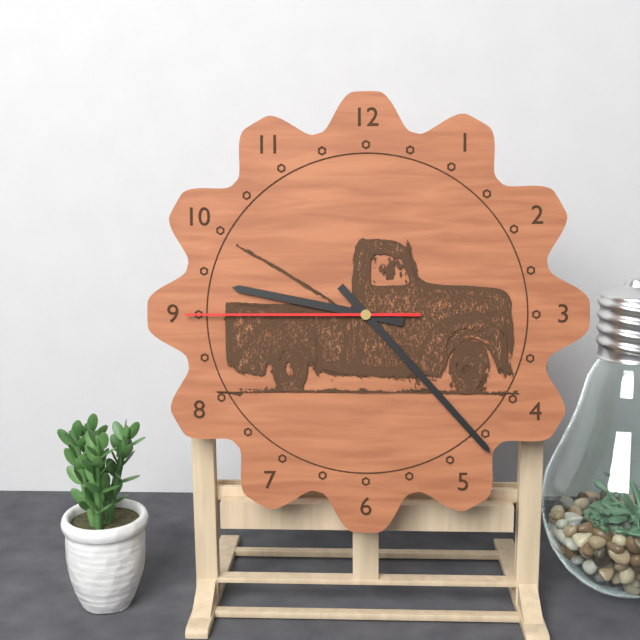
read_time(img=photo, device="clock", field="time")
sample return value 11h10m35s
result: 9h23m45s
